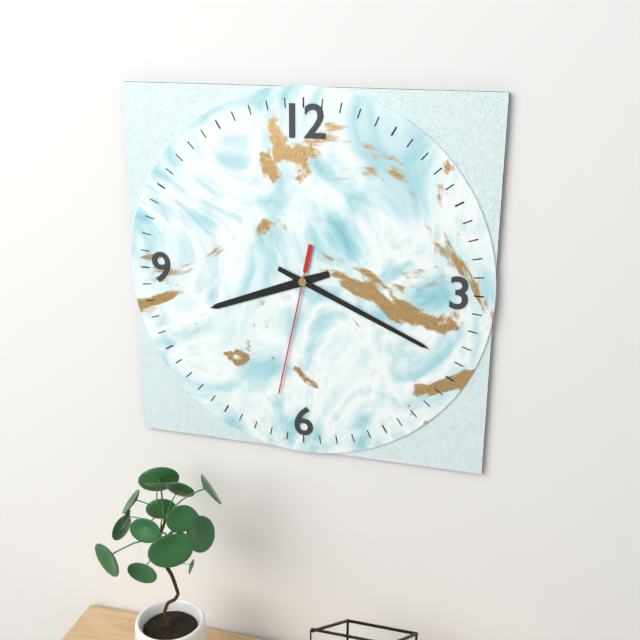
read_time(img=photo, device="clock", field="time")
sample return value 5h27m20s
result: 8h19m32s
